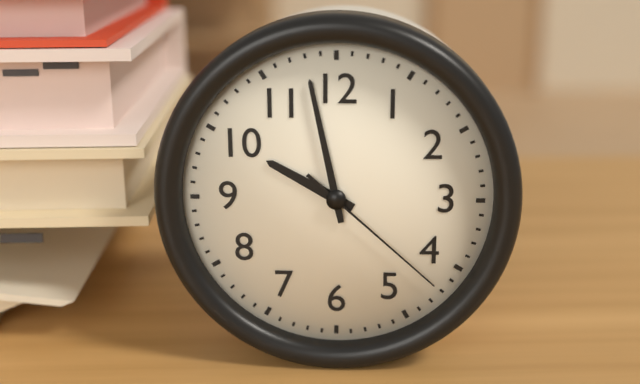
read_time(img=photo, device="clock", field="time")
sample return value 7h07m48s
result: 9h58m22s
